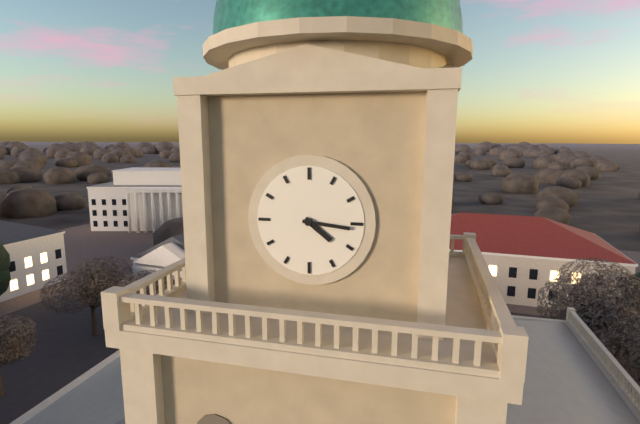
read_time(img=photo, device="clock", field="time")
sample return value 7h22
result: 4h16
